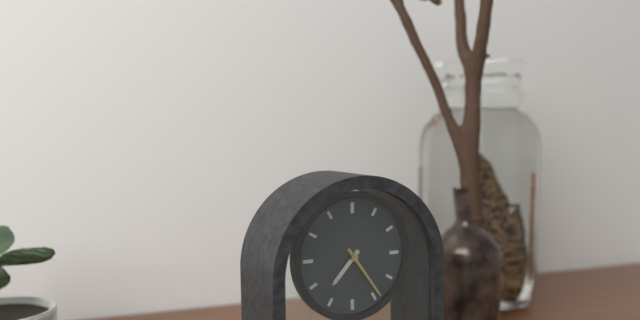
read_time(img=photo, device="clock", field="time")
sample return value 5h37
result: 7h24
